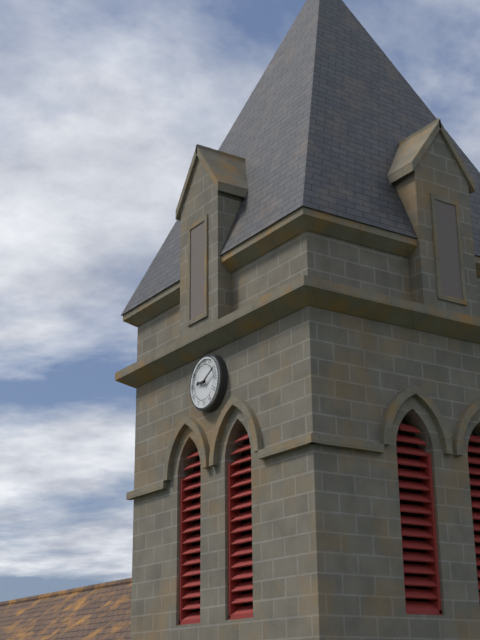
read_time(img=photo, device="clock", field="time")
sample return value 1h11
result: 9h10
